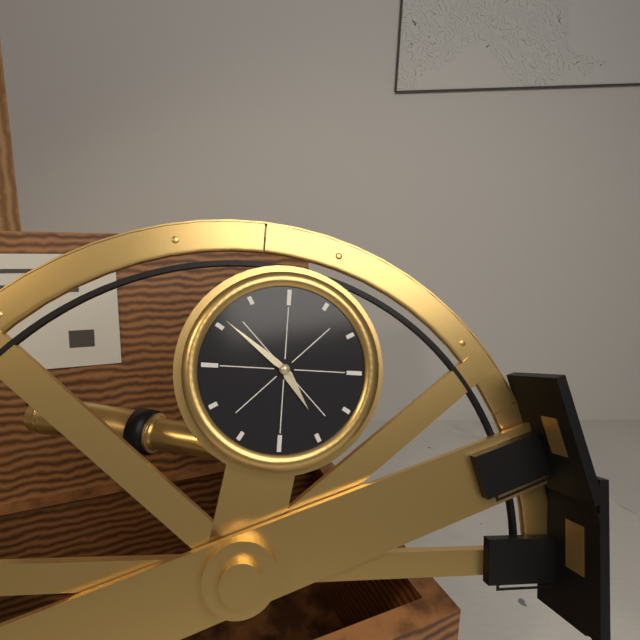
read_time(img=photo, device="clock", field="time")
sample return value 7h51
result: 4h51
